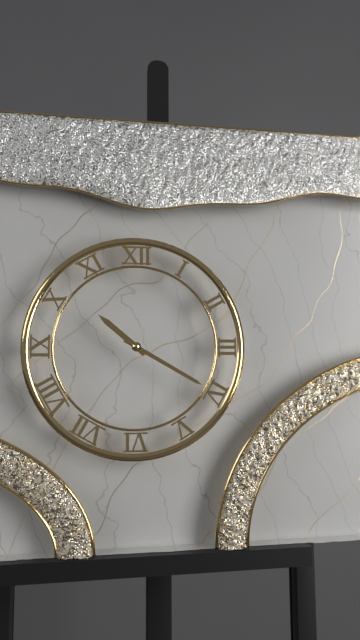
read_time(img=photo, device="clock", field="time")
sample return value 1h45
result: 10h20
